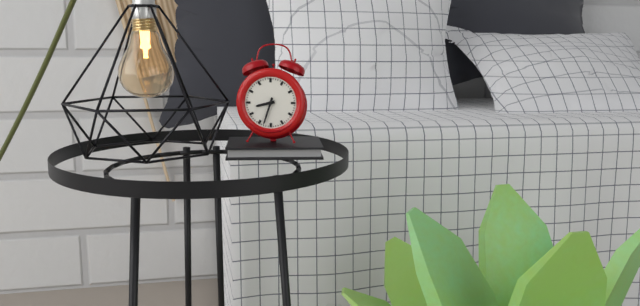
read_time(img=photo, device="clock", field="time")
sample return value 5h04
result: 8h33
